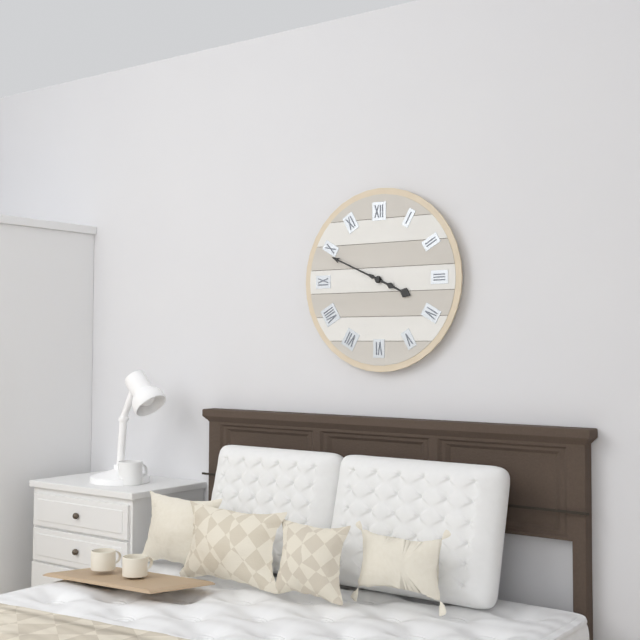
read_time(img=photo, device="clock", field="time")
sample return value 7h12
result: 3h49
